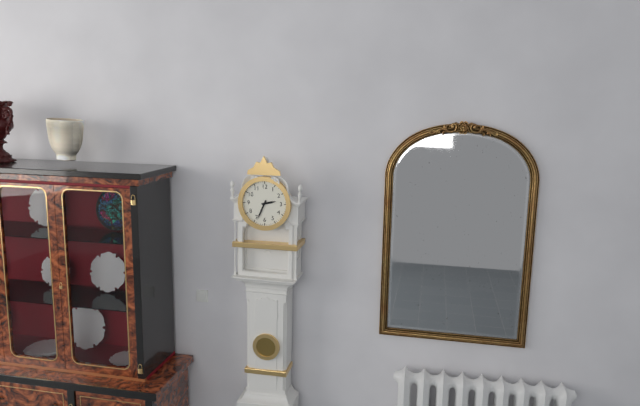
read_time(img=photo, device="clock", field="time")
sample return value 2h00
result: 2h34
